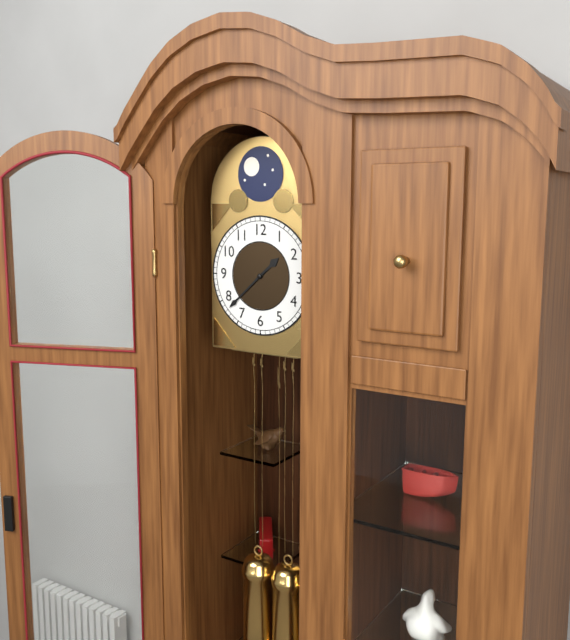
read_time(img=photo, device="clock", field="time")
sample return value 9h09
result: 1h38
